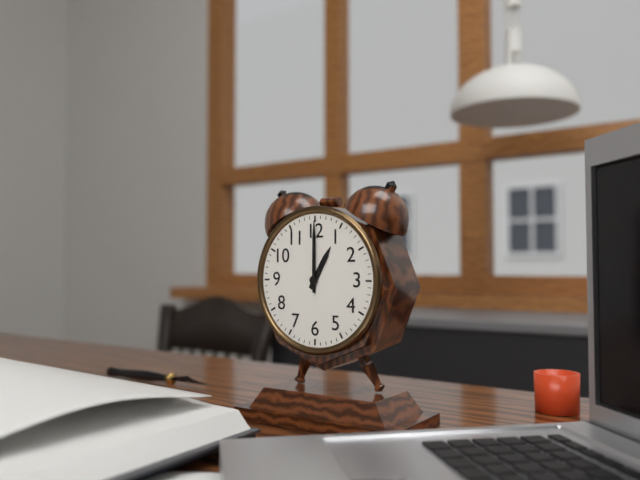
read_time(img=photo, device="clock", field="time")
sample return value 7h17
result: 1h00
